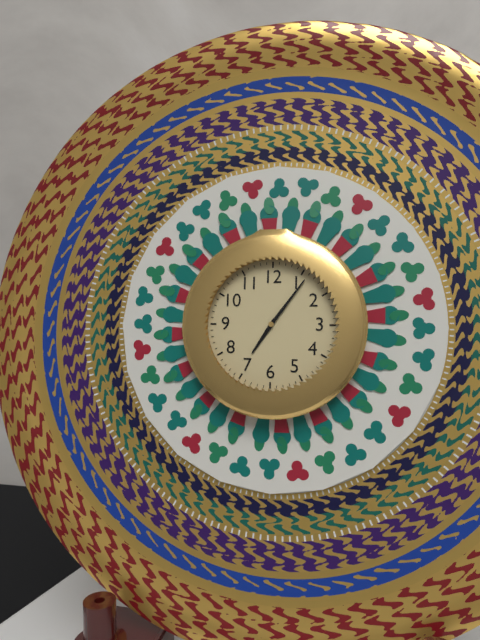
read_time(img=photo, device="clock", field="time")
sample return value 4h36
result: 7h06
